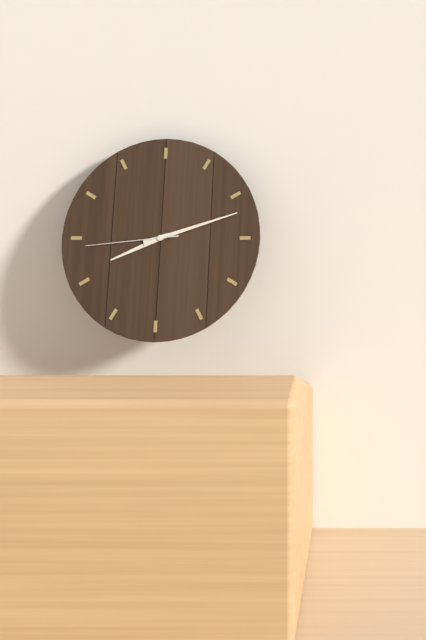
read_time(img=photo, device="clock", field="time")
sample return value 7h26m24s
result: 8h12m44s
